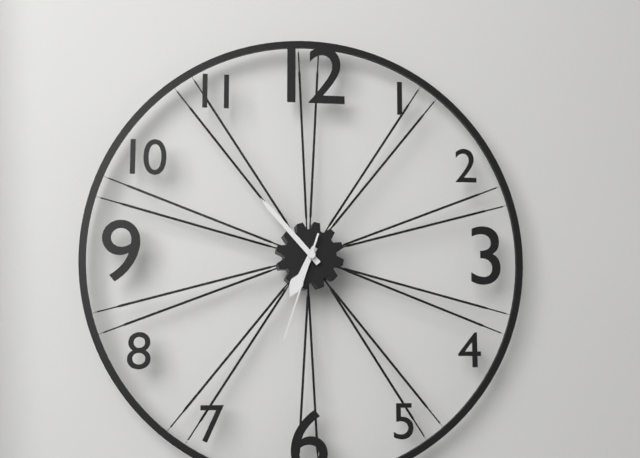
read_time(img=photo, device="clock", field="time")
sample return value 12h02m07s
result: 6h53m33s
